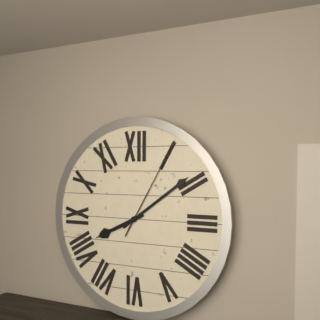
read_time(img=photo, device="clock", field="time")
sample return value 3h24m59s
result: 8h09m05s
